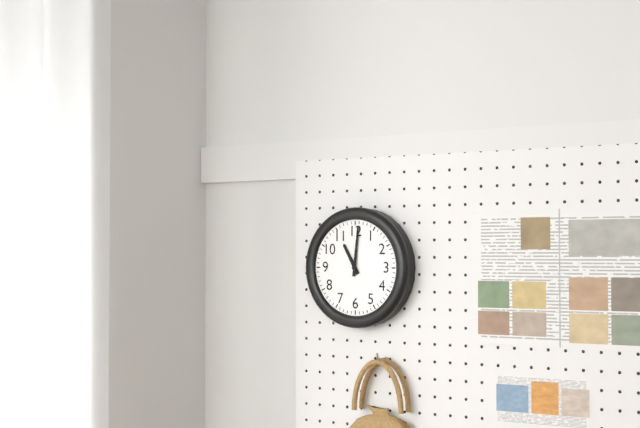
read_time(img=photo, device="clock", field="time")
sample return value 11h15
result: 11h01
